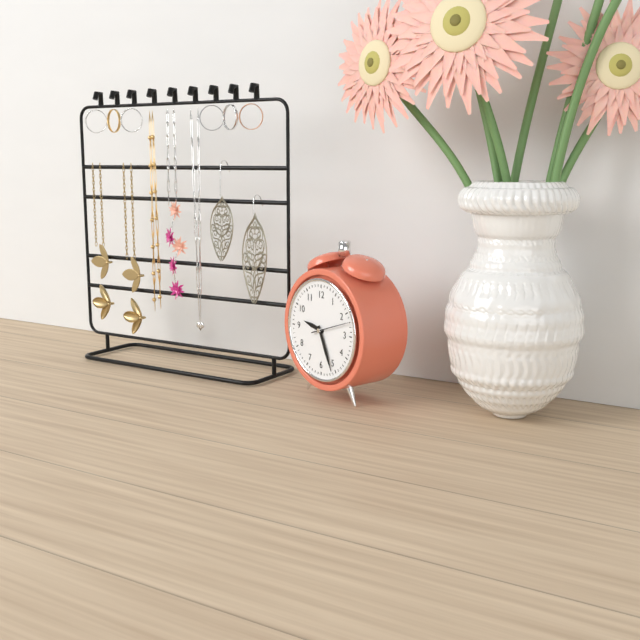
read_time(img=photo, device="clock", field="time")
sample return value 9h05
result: 9h26
